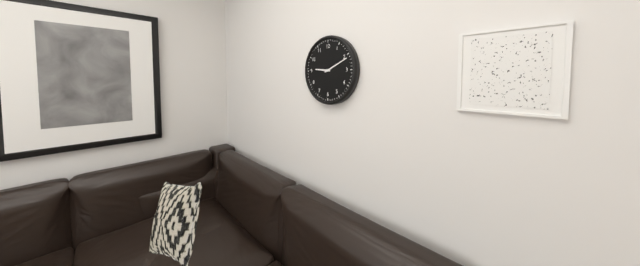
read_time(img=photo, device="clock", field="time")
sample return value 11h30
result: 9h11
